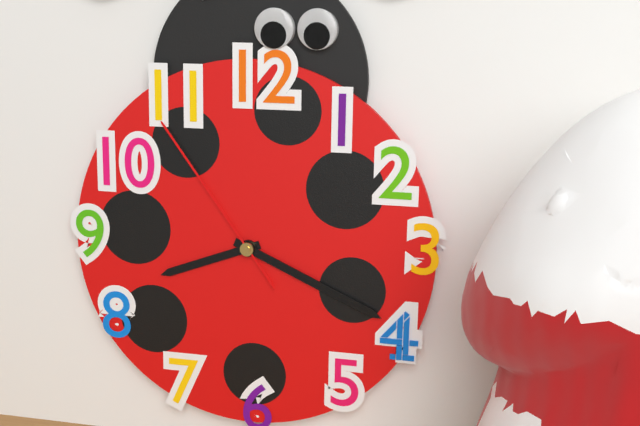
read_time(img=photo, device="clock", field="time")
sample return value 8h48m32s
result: 8h19m54s
